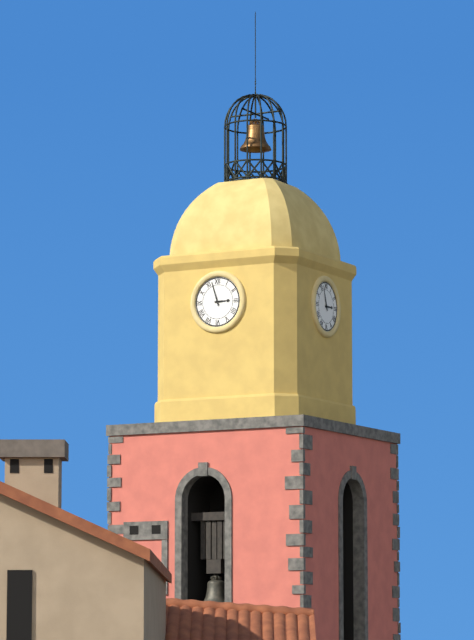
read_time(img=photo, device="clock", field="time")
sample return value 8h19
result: 2h57
